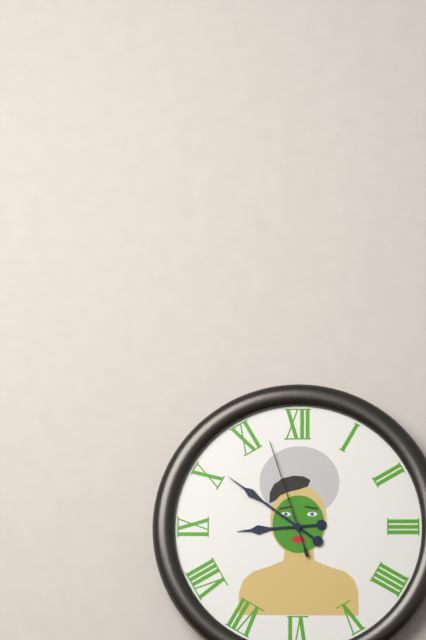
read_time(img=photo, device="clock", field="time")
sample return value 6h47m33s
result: 8h51m57s
